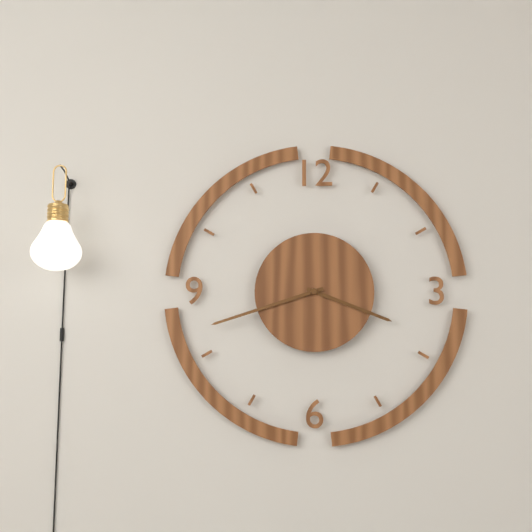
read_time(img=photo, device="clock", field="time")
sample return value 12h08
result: 3h42
